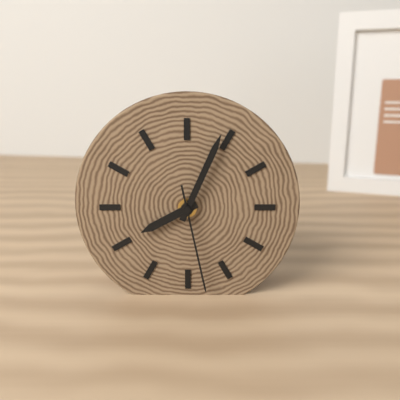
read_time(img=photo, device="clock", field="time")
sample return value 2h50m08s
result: 8h04m28s
